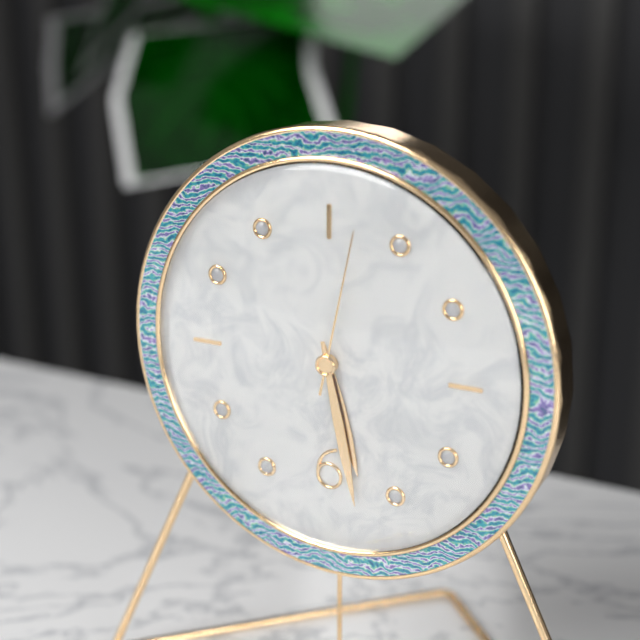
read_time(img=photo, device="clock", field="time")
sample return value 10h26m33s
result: 5h28m02s
